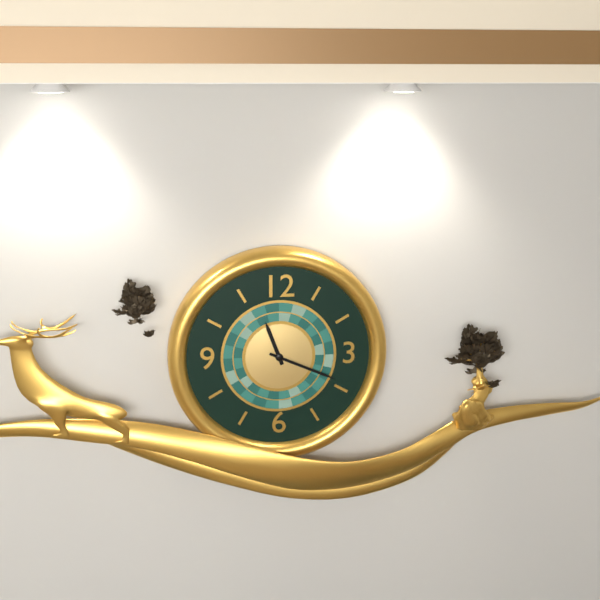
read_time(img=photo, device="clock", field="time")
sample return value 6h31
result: 11h19
